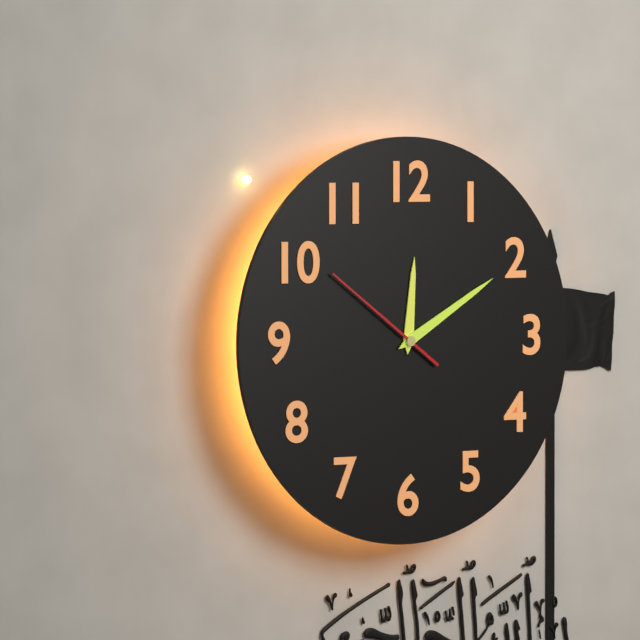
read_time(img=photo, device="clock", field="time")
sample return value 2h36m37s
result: 12h10m51s
